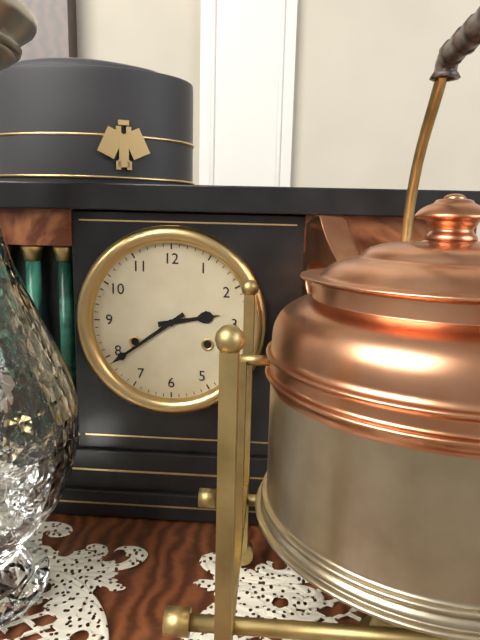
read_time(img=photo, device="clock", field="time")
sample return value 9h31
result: 2h39
